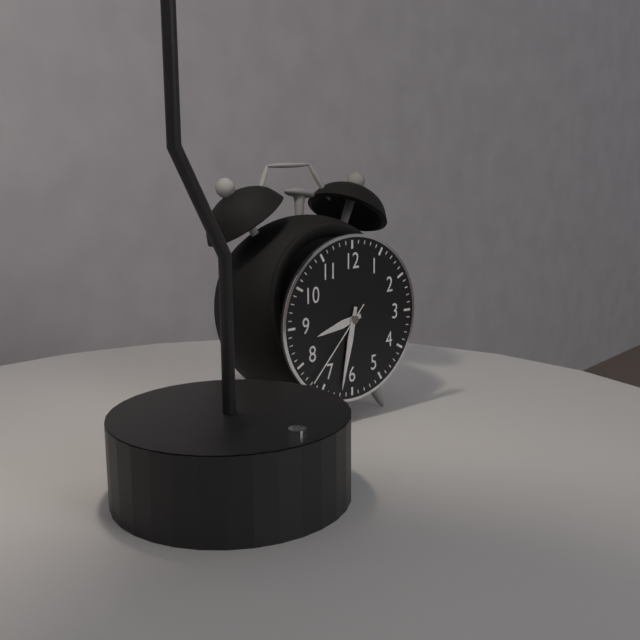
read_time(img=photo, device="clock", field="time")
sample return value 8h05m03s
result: 8h32m37s
